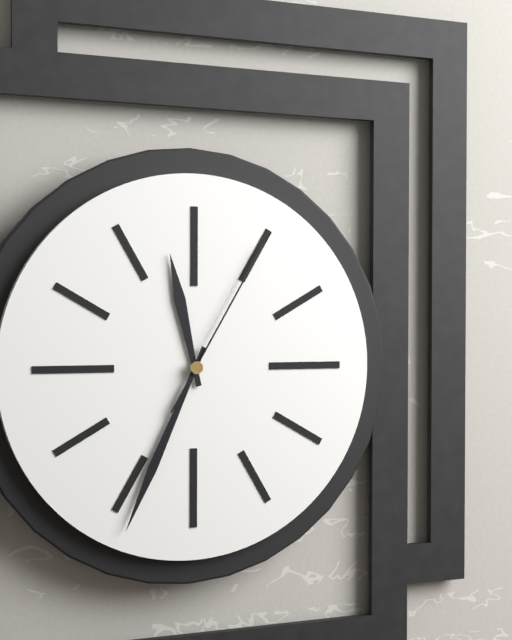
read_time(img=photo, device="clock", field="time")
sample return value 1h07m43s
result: 11h34m05s
